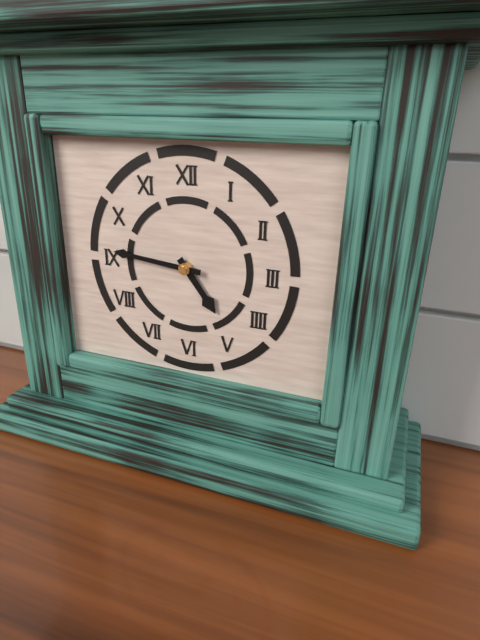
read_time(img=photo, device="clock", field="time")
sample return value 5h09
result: 4h46
